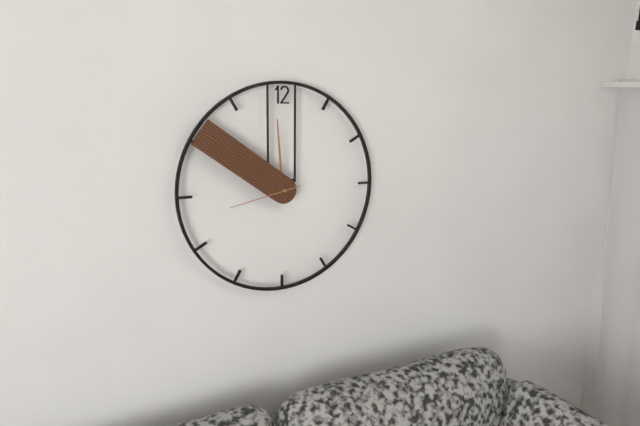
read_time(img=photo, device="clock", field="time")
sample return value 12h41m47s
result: 11h51m43s
